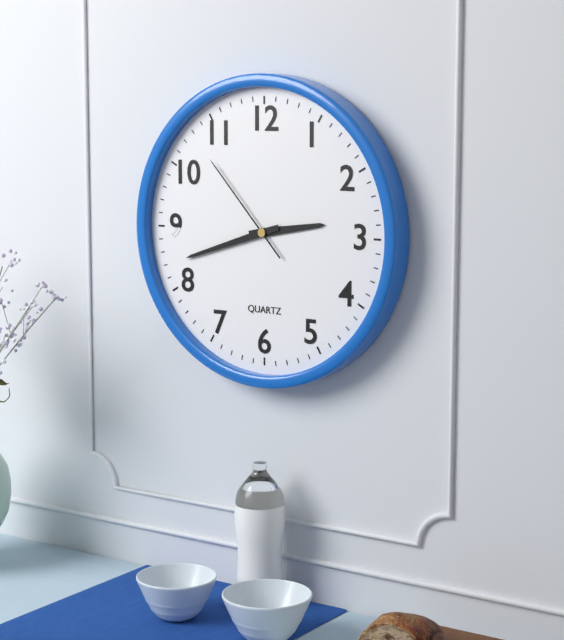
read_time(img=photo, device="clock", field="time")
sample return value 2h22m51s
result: 2h42m53s
